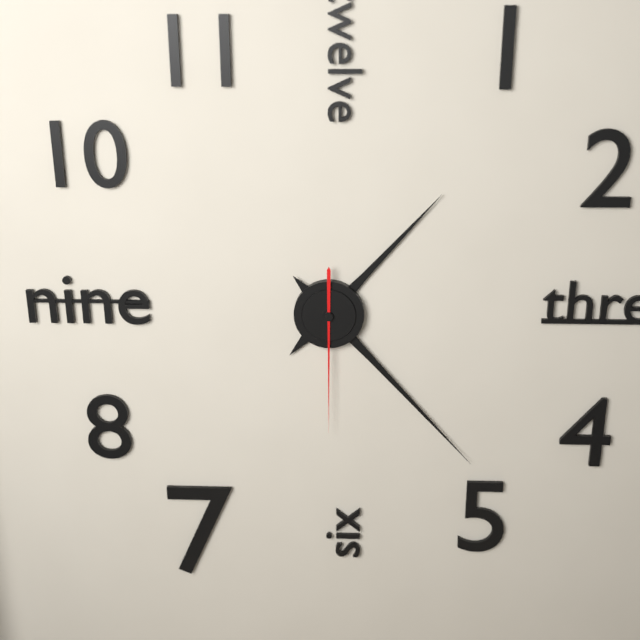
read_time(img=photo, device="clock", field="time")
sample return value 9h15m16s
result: 1h23m30s
